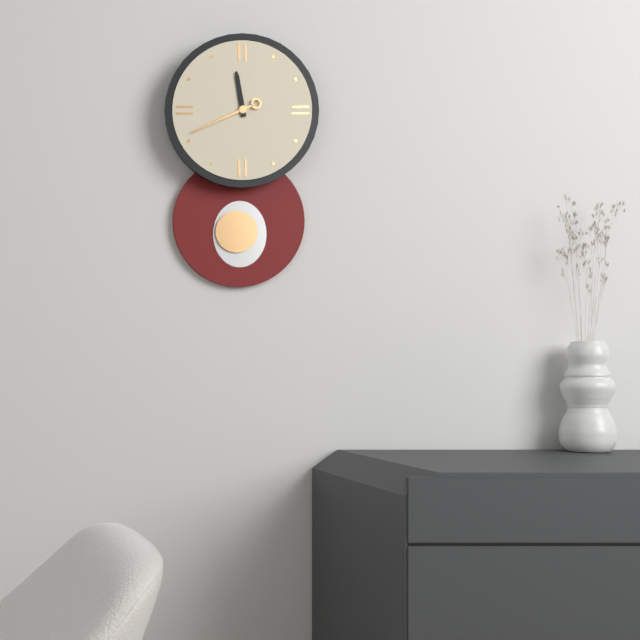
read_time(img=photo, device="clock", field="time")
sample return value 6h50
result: 11h41
